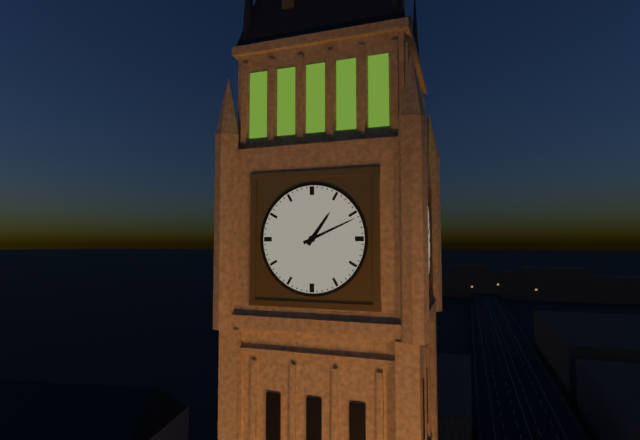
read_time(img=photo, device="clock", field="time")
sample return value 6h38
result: 1h11
